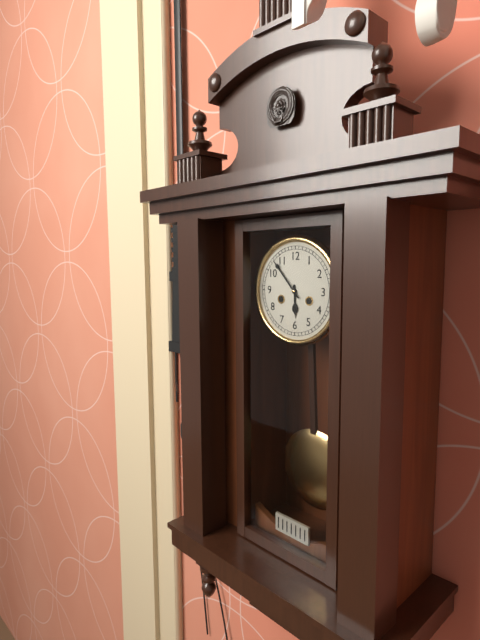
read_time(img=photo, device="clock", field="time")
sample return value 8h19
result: 5h53
